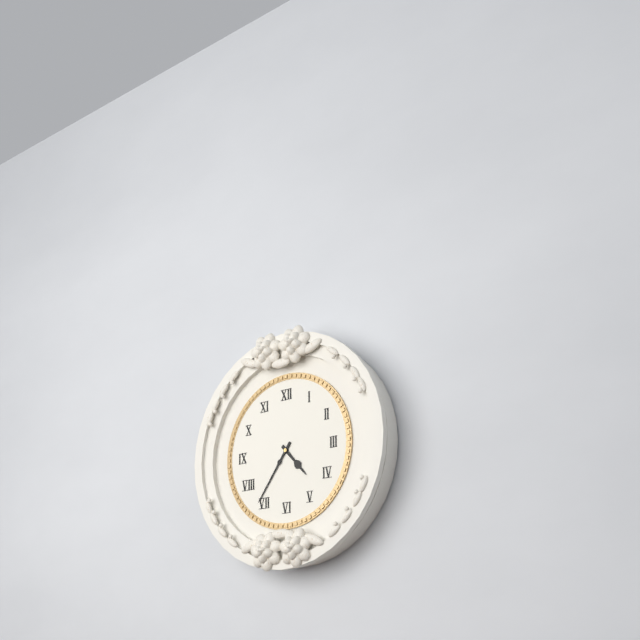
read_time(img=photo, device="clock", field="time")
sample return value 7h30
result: 4h36
